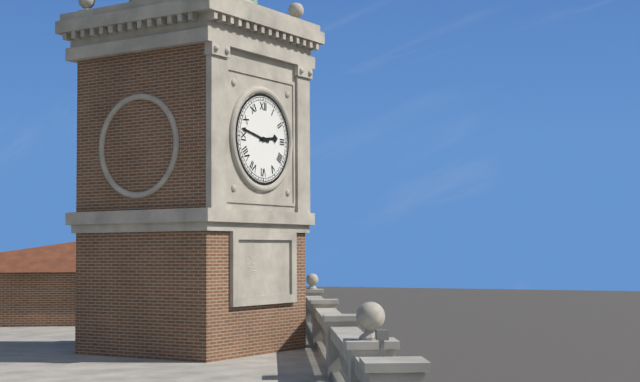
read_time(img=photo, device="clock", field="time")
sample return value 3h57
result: 2h47
